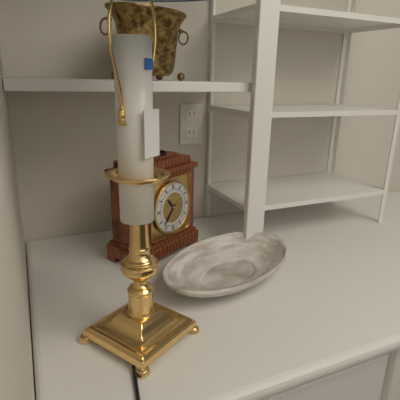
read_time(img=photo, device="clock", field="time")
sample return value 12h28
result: 10h37
